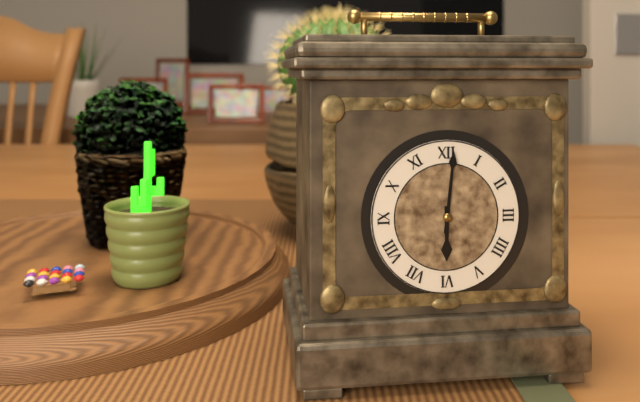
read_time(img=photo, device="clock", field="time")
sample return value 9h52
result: 6h01
